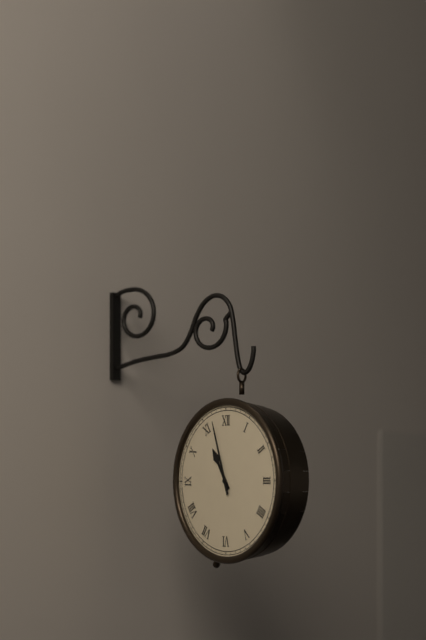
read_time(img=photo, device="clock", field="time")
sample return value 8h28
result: 10h57
